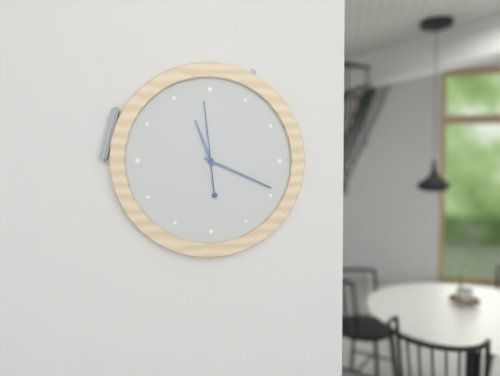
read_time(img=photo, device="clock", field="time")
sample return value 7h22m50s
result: 11h19m59s
